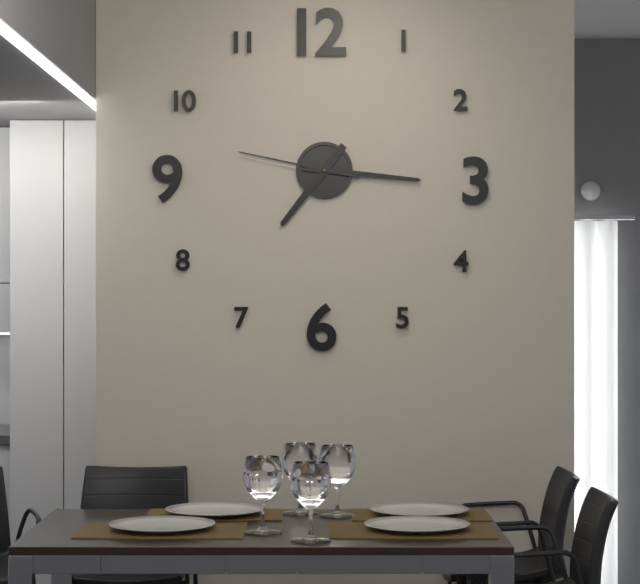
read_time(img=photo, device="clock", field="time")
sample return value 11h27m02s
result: 7h16m47s
